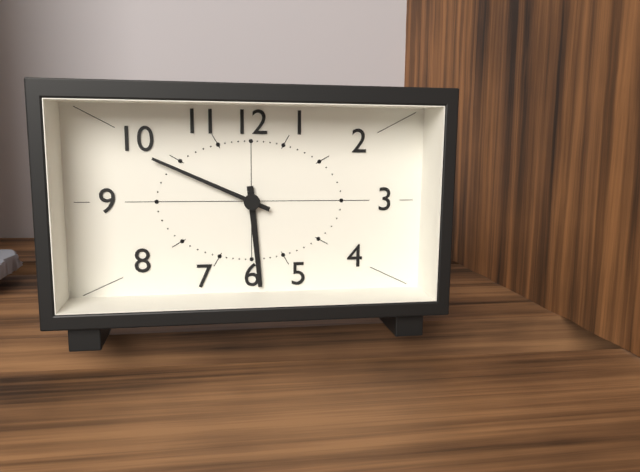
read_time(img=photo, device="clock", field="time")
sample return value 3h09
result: 5h49
